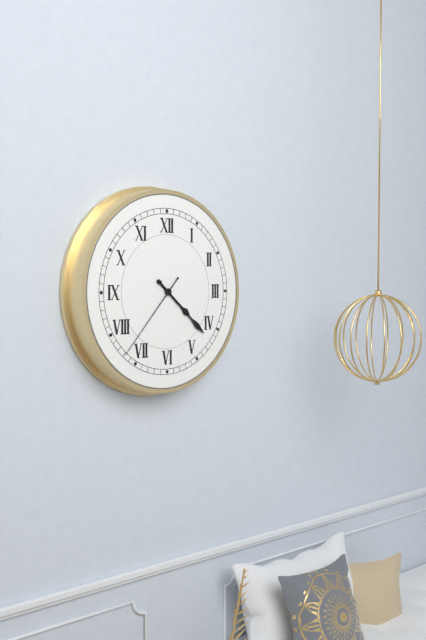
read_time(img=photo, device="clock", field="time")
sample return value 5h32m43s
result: 4h22m37s
